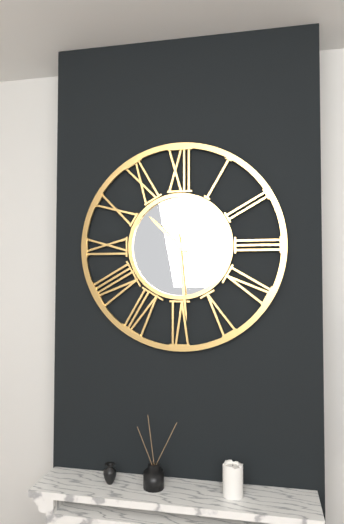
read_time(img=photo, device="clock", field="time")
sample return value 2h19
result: 10h29
